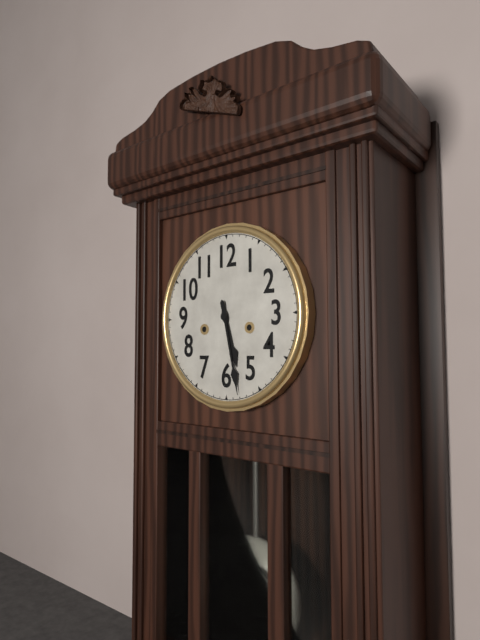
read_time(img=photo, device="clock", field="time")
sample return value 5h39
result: 5h28
